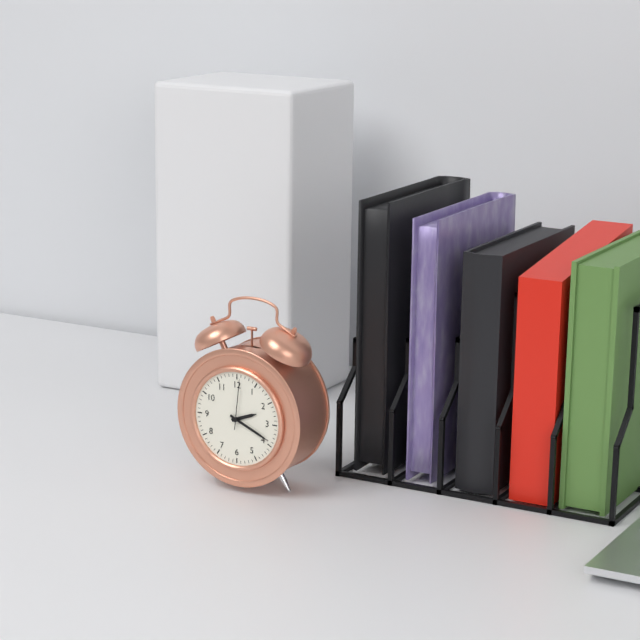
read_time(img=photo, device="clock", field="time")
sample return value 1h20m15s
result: 2h19m01s
